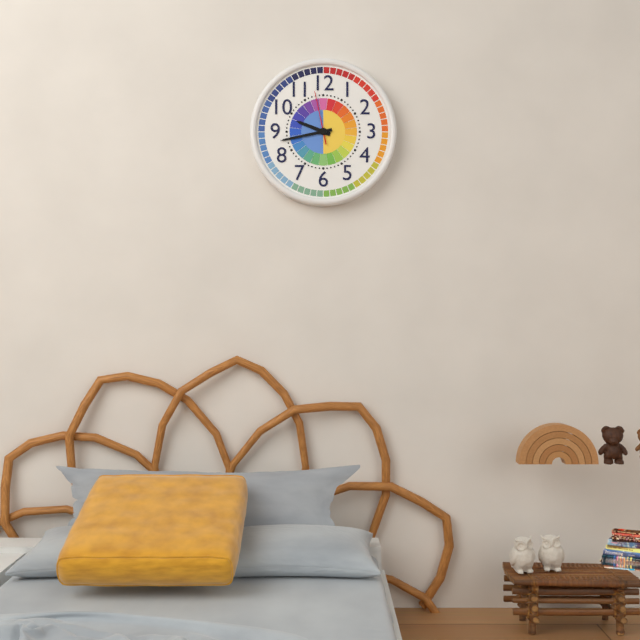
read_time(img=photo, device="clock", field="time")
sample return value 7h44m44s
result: 9h43m58s
